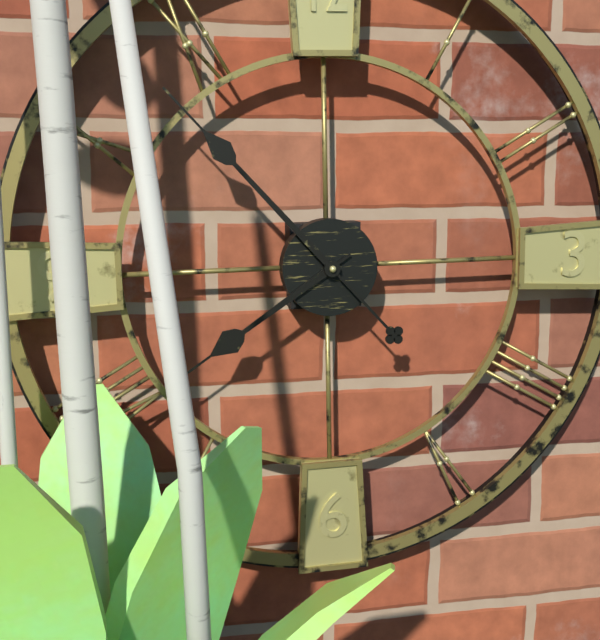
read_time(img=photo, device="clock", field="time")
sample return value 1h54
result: 7h53
